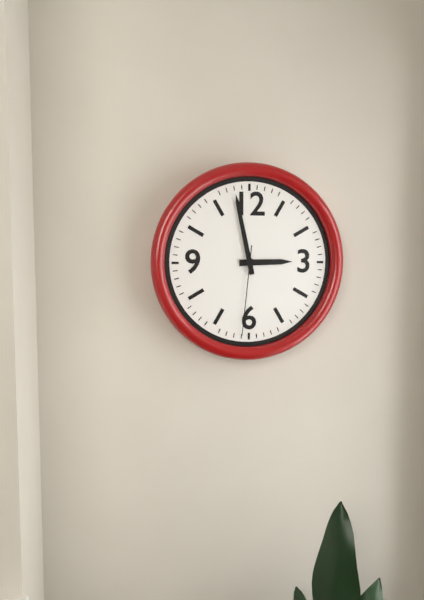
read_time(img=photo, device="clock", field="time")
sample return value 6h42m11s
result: 2h58m31s
